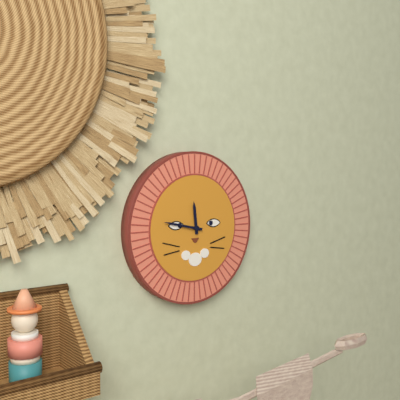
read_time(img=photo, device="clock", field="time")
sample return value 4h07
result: 11h47
